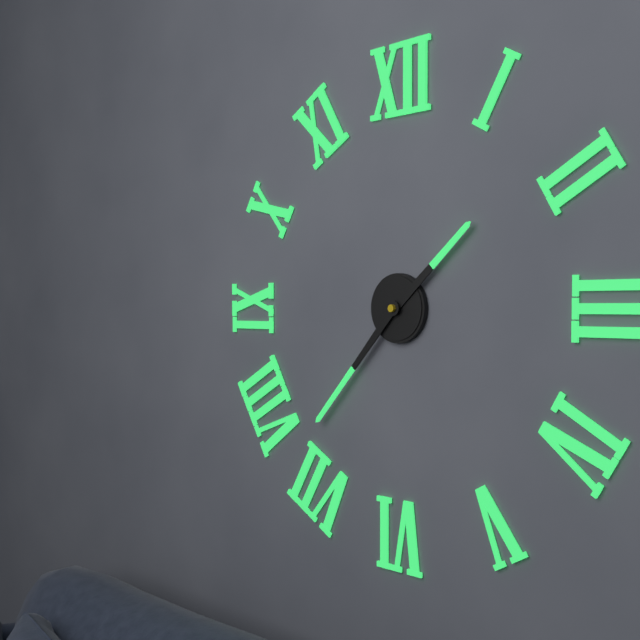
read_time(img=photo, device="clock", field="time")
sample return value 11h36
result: 1h37
